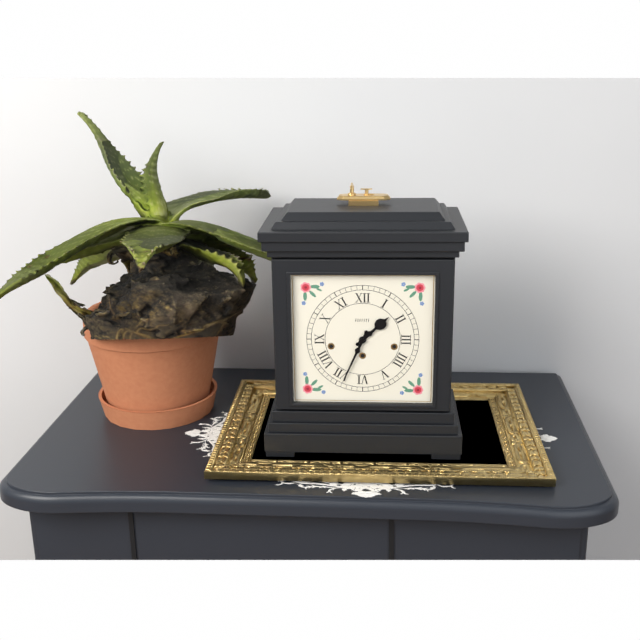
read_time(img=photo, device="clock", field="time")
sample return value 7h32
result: 1h34
